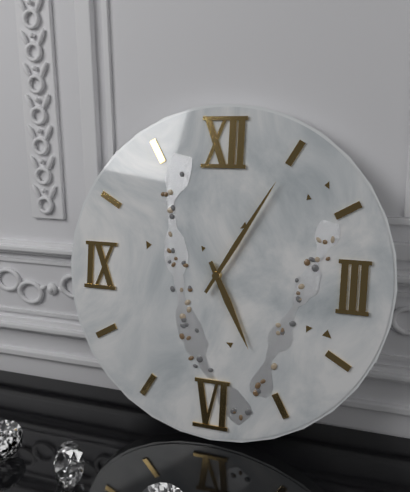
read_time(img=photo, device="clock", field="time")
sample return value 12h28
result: 5h05
